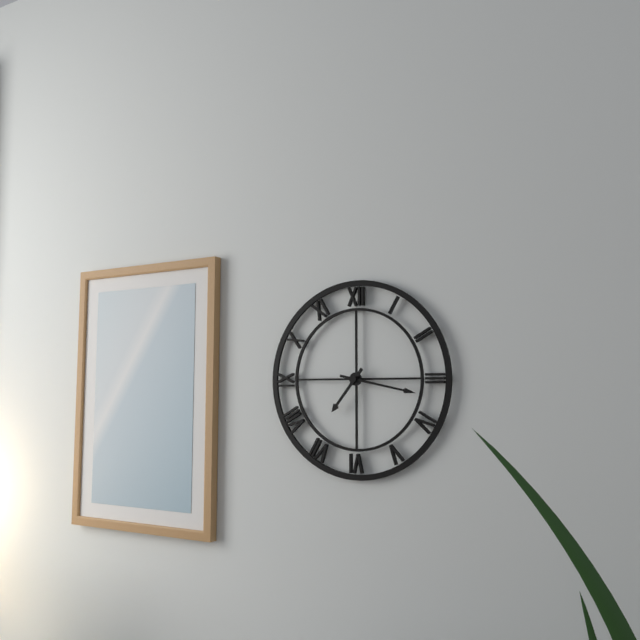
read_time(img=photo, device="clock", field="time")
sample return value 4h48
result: 7h17
